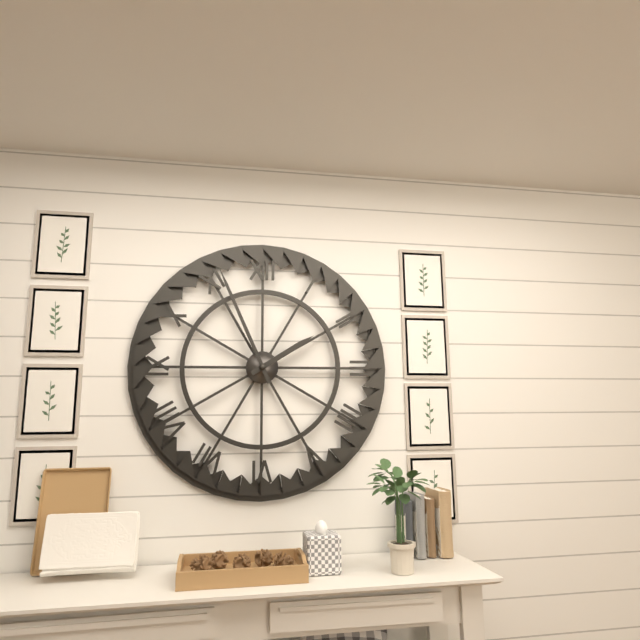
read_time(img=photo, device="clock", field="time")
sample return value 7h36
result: 1h56
